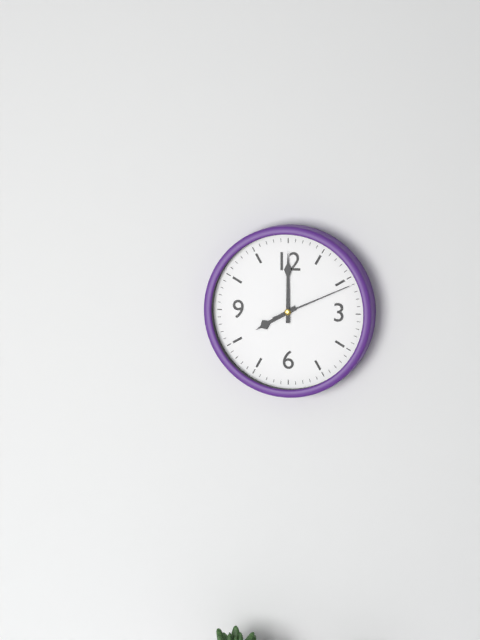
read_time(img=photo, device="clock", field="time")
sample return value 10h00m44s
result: 8h00m11s
